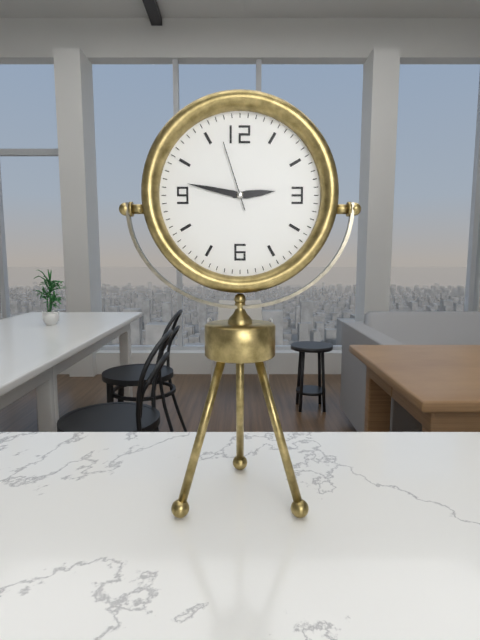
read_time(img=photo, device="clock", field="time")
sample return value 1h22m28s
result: 2h47m57s
